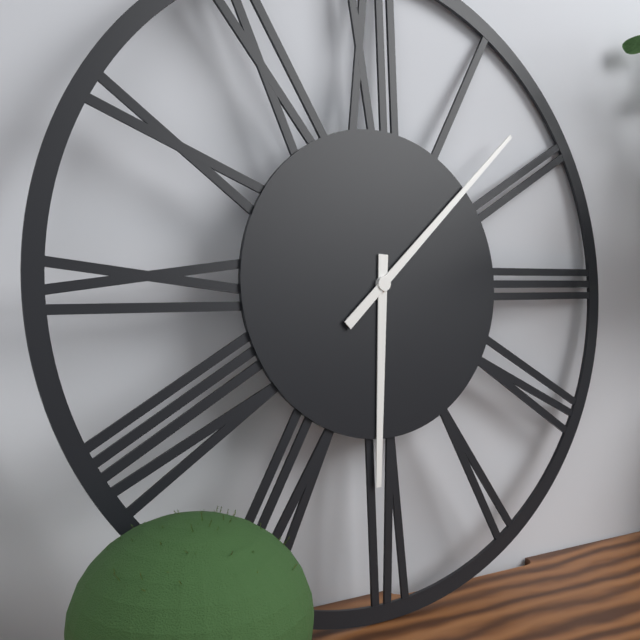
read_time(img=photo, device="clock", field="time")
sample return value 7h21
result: 6h08
